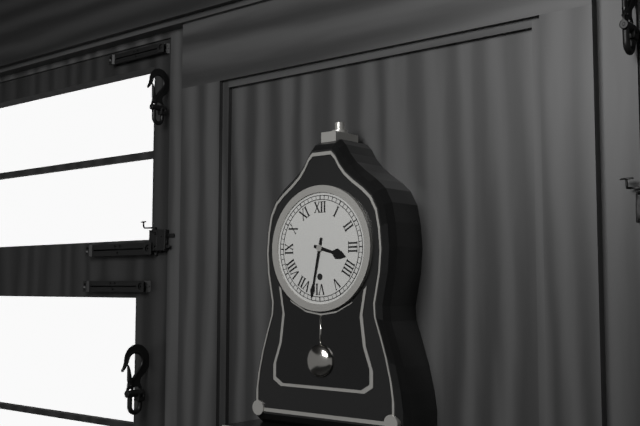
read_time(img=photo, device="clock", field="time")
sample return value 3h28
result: 3h32
